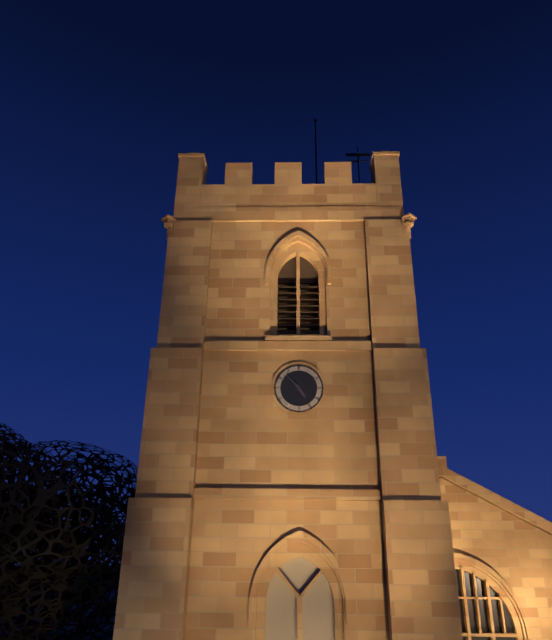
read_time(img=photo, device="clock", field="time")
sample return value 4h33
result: 4h53
